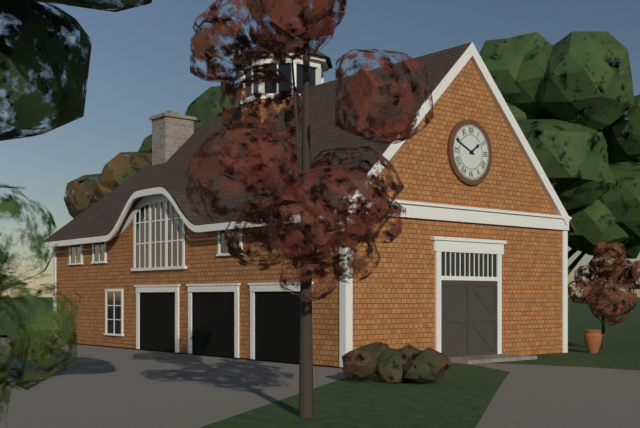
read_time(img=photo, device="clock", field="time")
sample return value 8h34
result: 1h49
